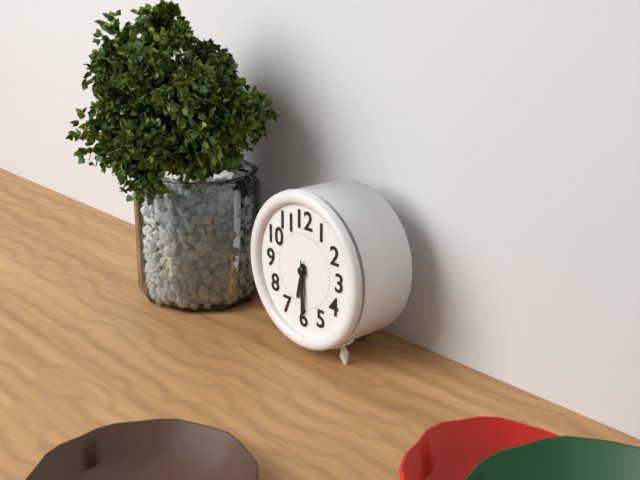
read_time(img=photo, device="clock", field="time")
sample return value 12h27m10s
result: 6h30m29s
